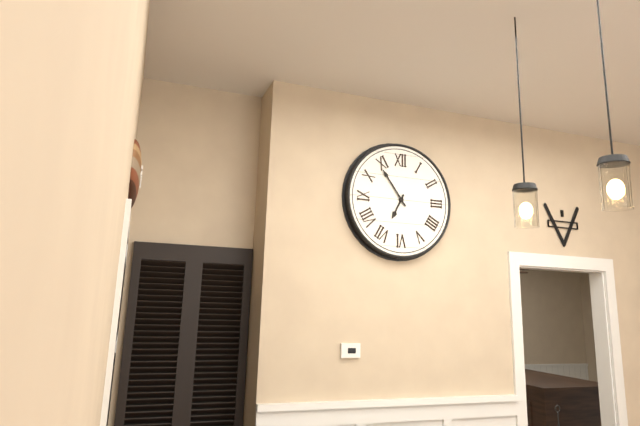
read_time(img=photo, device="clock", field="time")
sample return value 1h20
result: 6h54
